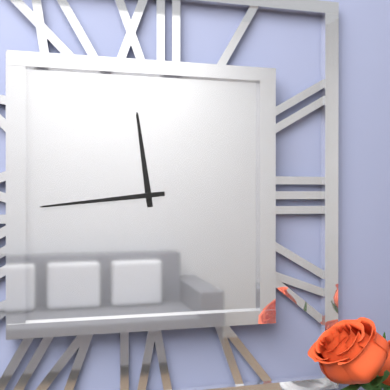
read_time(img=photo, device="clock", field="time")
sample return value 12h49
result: 11h44
